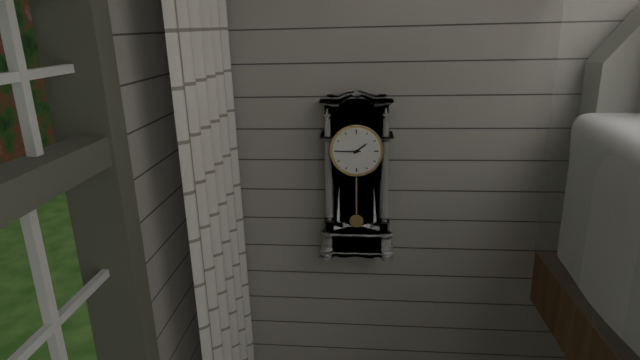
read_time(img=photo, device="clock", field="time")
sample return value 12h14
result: 1h45
